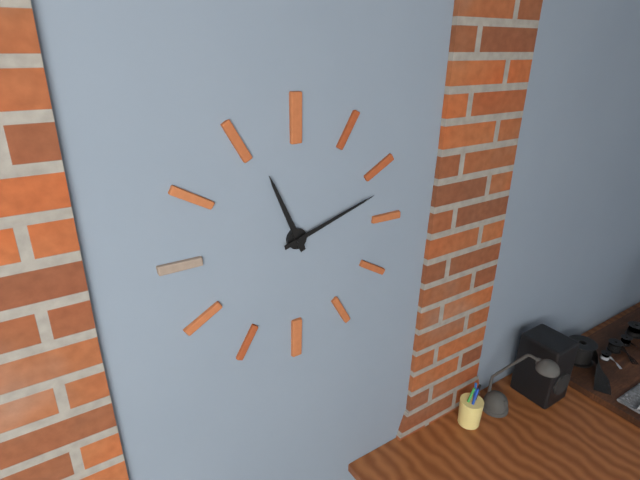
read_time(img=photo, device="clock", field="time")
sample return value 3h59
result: 11h12
